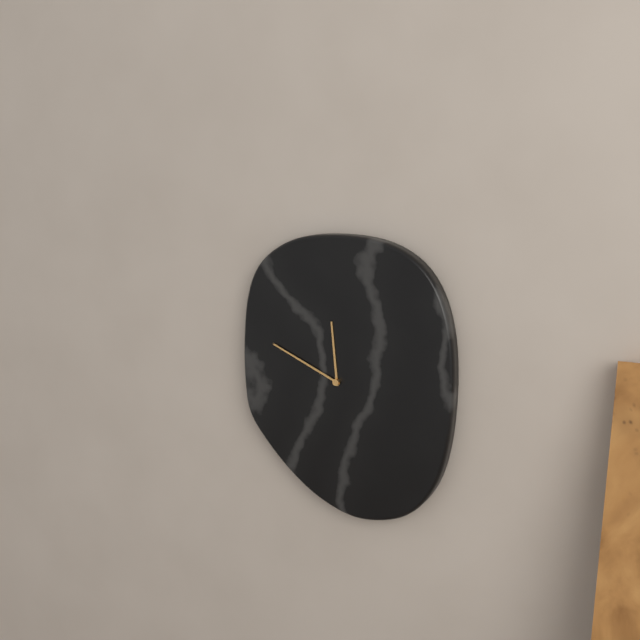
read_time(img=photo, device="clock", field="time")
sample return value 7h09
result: 11h49
